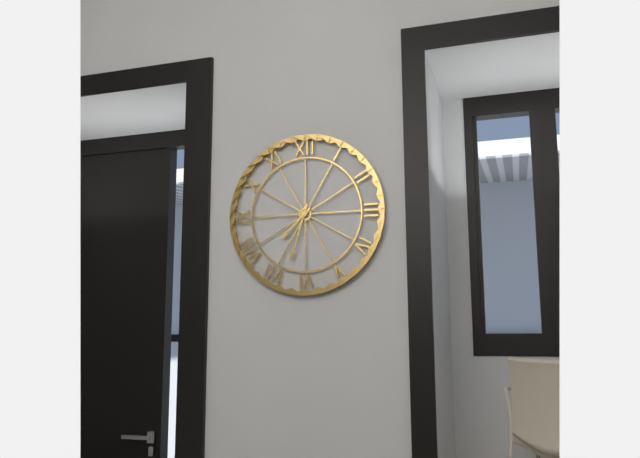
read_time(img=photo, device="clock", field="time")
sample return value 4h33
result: 7h33
